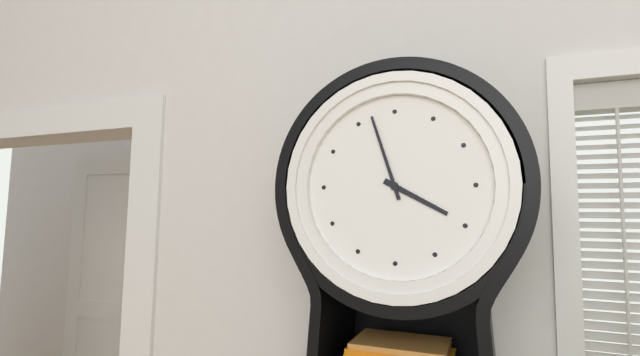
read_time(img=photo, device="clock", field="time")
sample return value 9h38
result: 3h57
